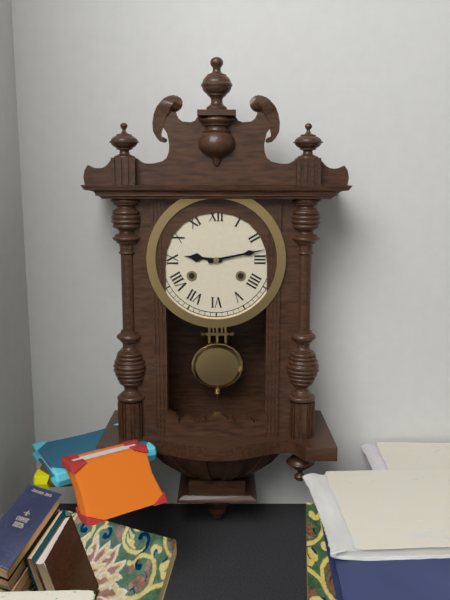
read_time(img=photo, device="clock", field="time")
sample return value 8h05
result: 9h13
